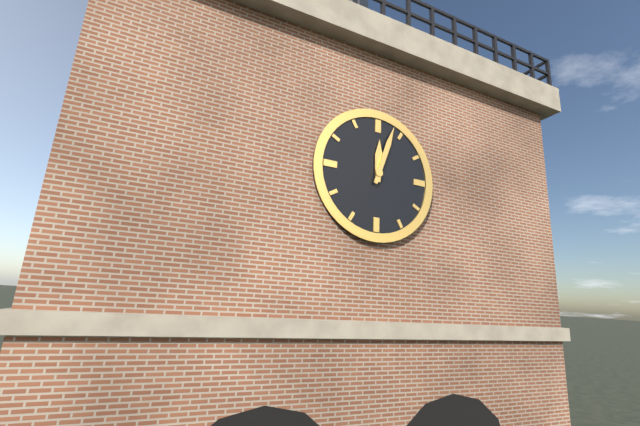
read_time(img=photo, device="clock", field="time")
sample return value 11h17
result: 12h03
